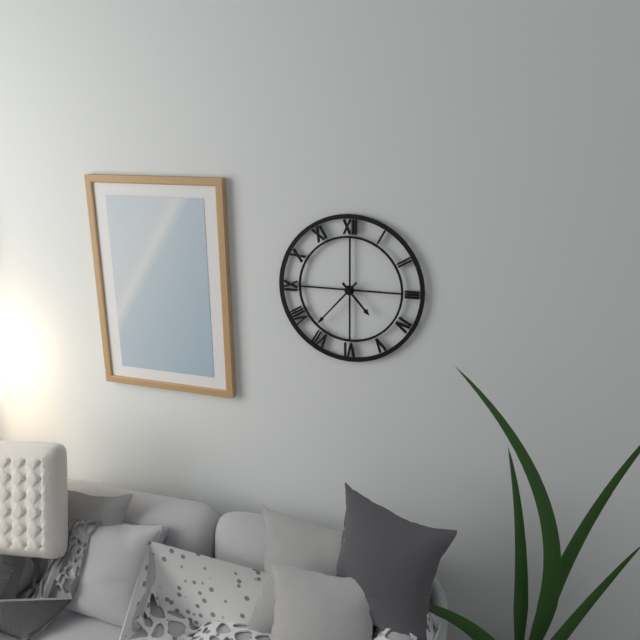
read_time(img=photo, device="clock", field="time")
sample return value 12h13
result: 4h37
